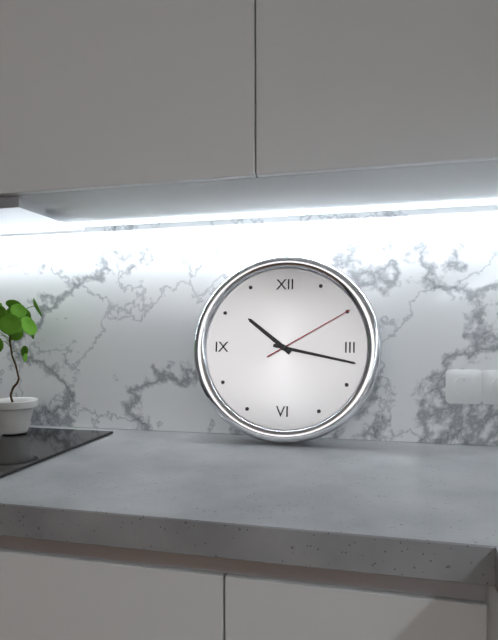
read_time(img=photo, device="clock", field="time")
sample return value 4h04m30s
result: 10h17m10s
